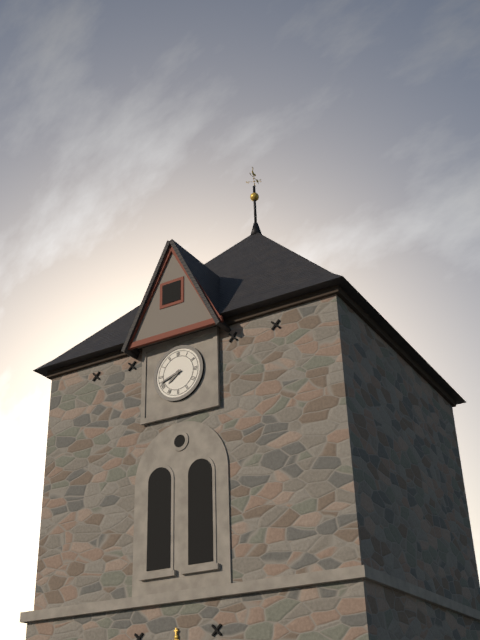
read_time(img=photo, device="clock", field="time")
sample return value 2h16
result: 7h42
